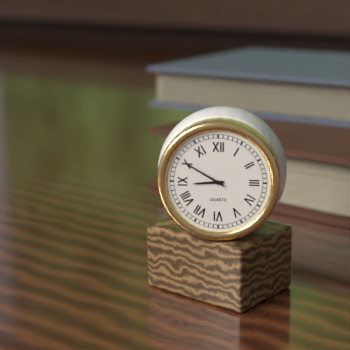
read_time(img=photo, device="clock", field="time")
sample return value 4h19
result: 8h50
